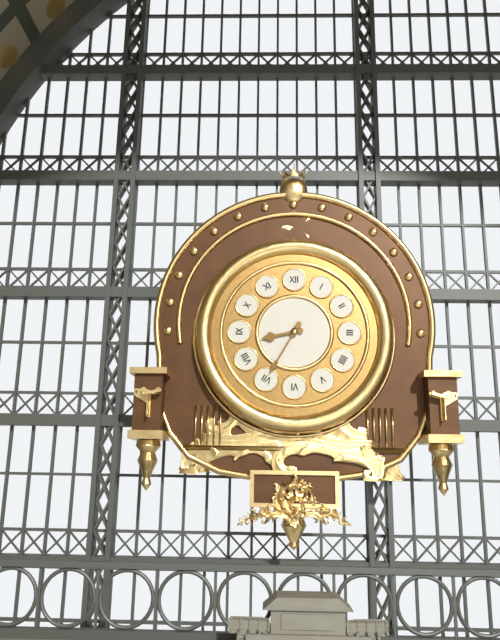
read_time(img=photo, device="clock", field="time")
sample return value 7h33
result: 8h35
